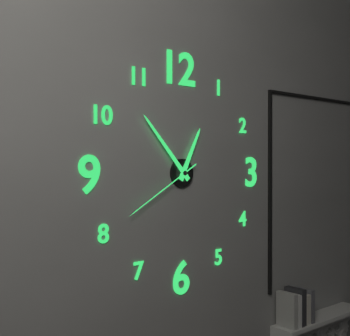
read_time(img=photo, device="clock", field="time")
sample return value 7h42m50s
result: 12h53m40s
